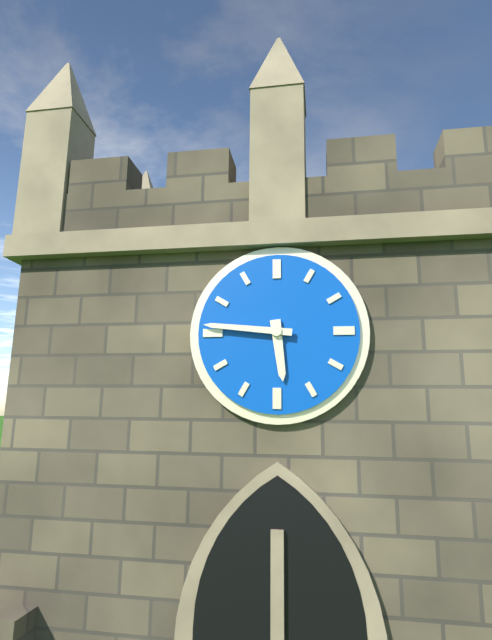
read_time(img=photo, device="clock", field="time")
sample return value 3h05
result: 5h46
